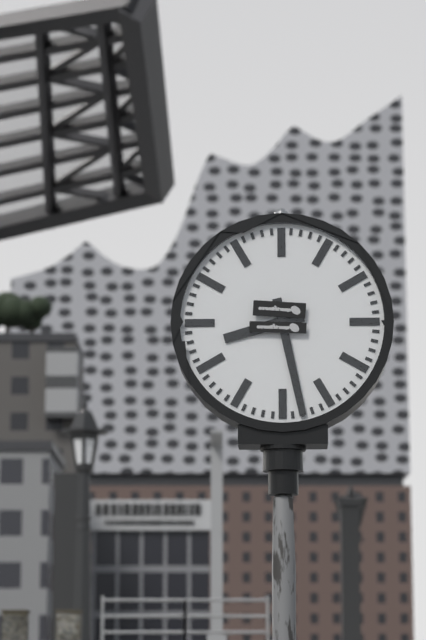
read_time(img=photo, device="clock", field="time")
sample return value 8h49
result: 8h28
